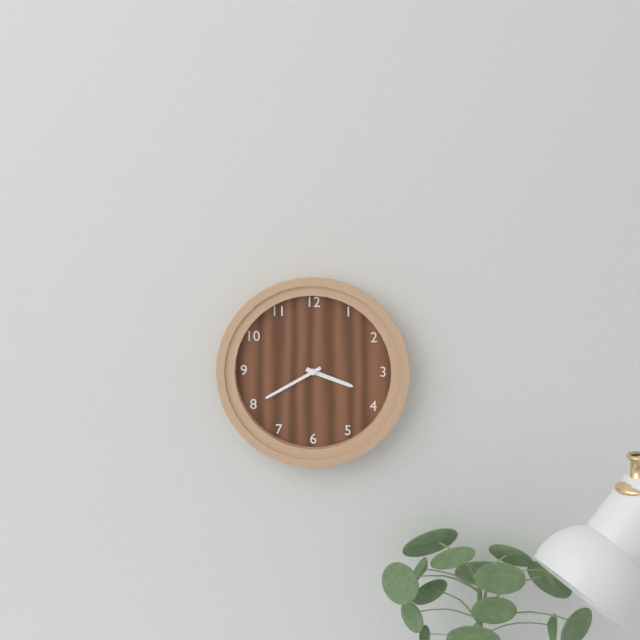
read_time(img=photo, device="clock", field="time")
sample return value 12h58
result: 3h40
